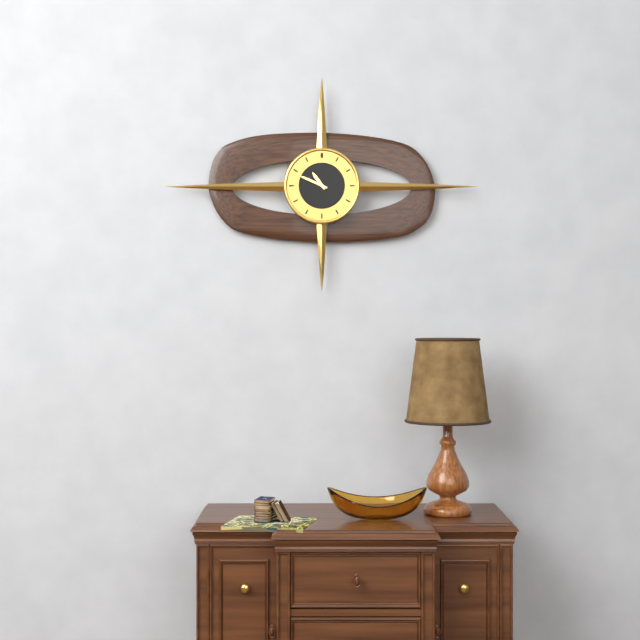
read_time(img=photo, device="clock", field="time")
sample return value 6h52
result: 10h49
